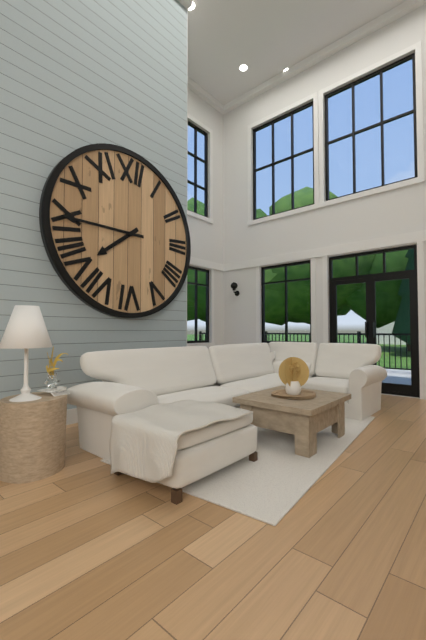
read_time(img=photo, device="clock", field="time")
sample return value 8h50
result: 7h45
